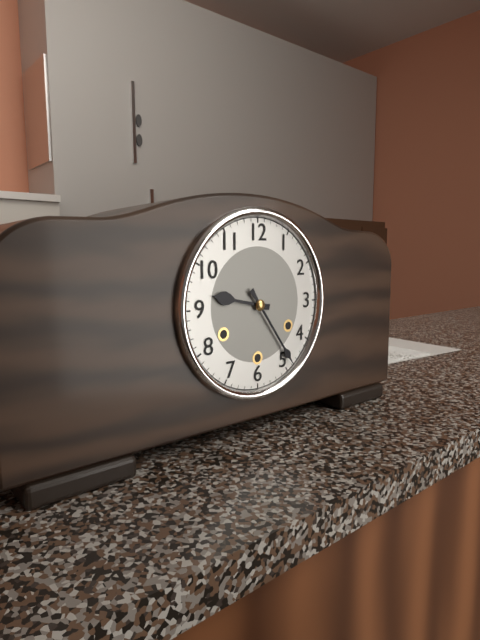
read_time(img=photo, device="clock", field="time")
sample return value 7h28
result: 9h24
